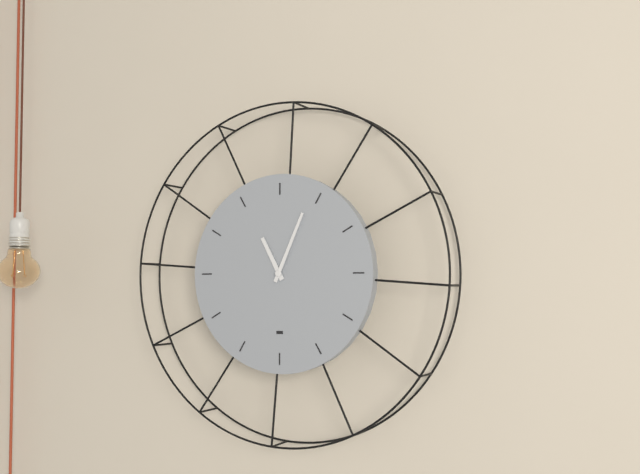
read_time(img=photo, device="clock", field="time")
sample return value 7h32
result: 11h04
